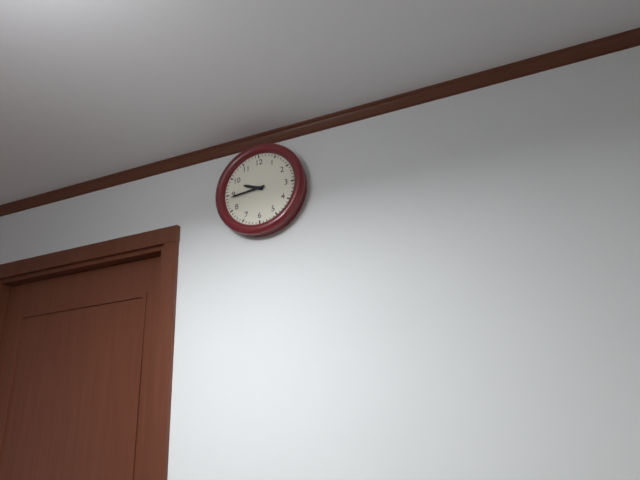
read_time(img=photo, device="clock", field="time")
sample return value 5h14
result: 9h44
